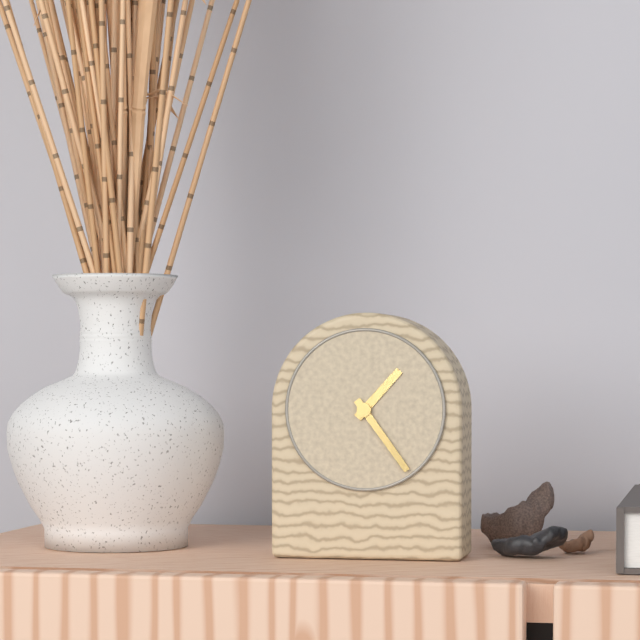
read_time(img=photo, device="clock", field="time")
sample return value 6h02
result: 1h24
